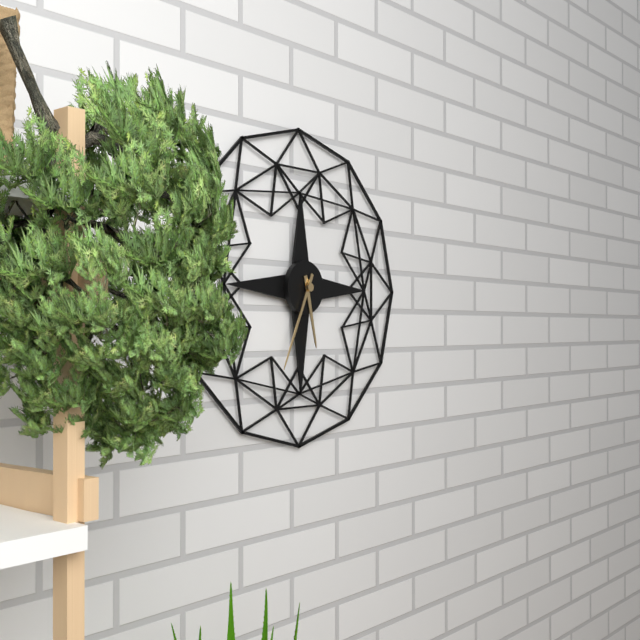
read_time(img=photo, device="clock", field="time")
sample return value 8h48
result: 5h34
